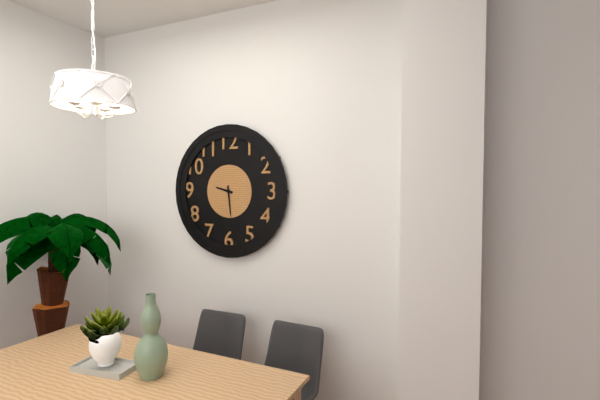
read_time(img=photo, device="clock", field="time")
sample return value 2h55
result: 9h29
